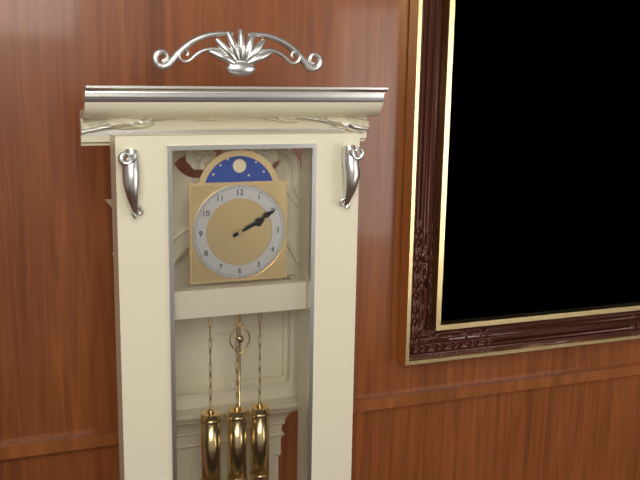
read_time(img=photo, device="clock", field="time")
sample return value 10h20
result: 2h10
